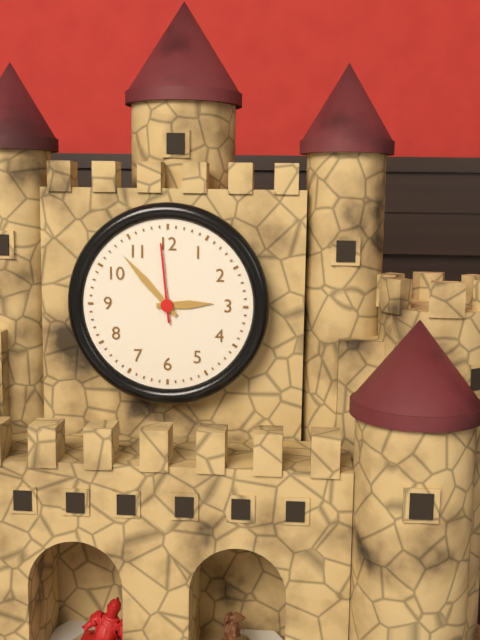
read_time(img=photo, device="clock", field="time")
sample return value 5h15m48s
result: 2h53m59s
